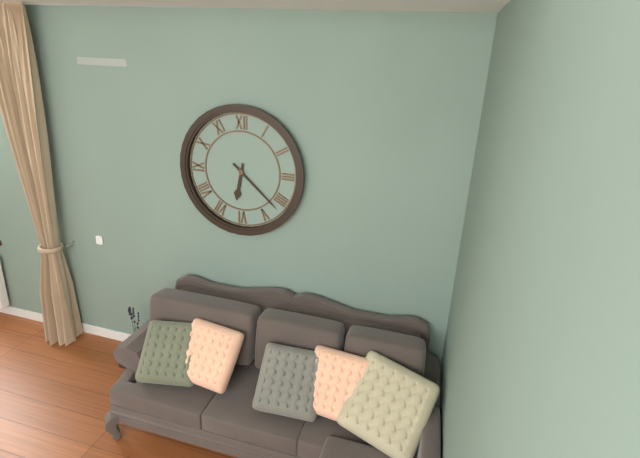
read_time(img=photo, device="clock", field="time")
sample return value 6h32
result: 6h22
